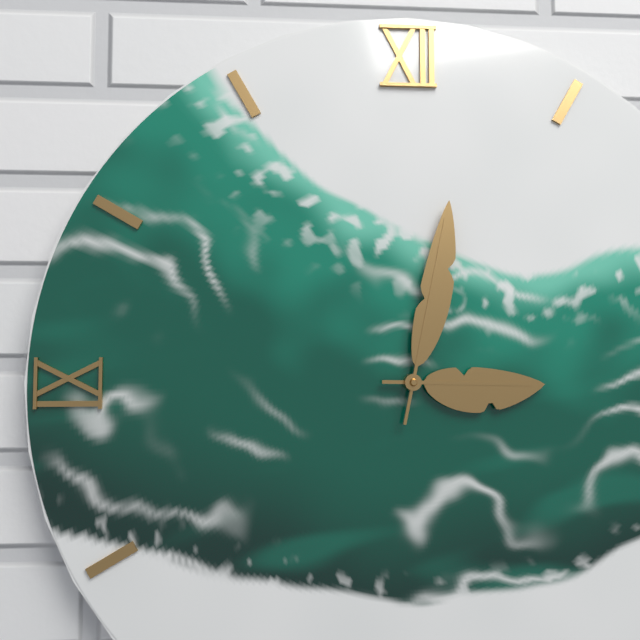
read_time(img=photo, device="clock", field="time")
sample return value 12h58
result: 3h02
